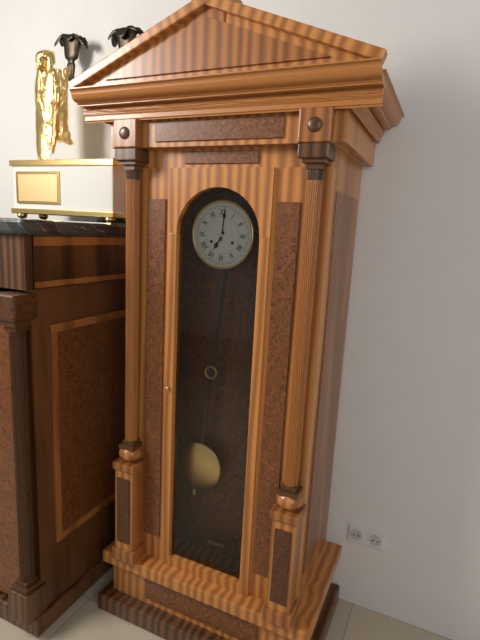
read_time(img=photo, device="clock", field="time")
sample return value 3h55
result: 7h01
